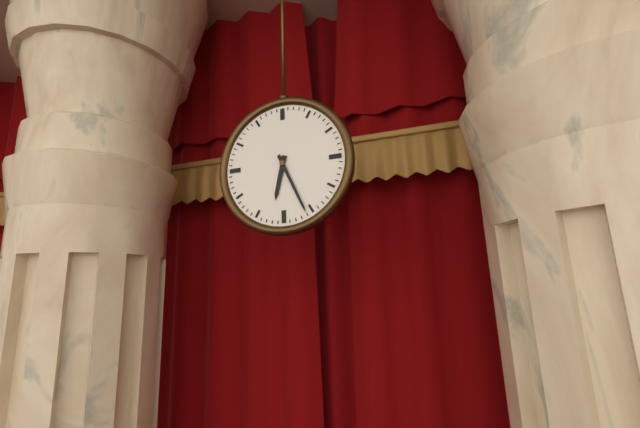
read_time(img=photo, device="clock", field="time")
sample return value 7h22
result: 6h26
